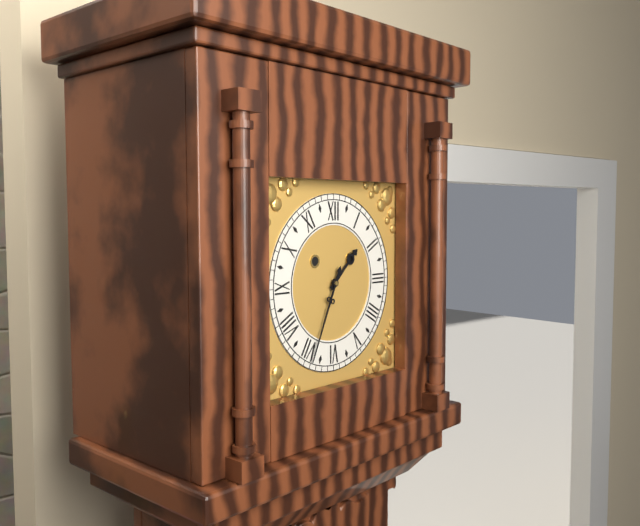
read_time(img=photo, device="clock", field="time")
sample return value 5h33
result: 1h34
